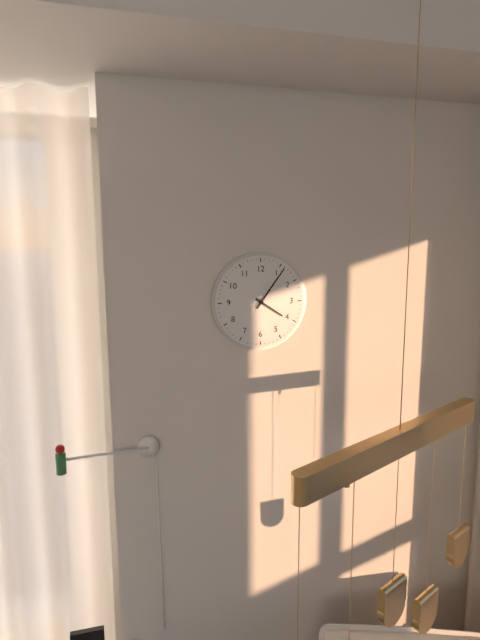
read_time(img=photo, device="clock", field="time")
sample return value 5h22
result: 4h06
